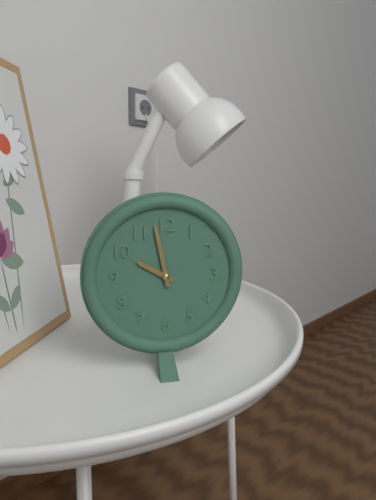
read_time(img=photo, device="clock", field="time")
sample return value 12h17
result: 9h58
